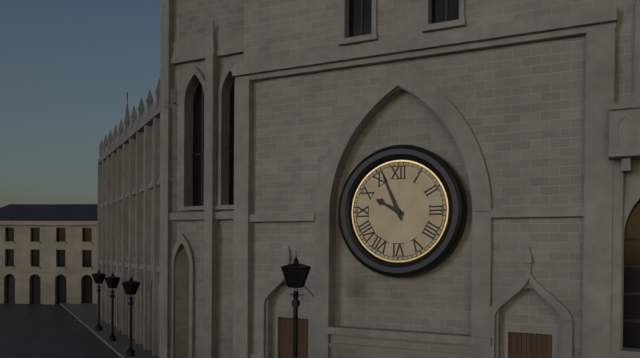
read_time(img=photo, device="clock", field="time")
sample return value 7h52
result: 9h56
